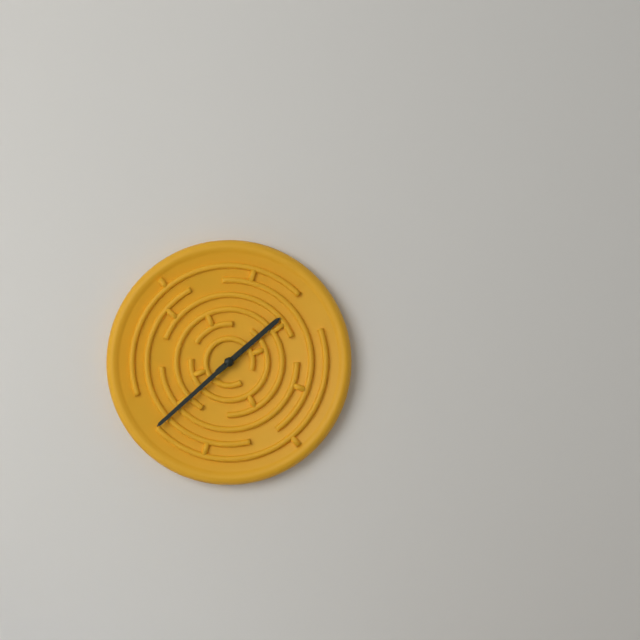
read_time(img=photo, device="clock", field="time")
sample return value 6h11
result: 1h38
